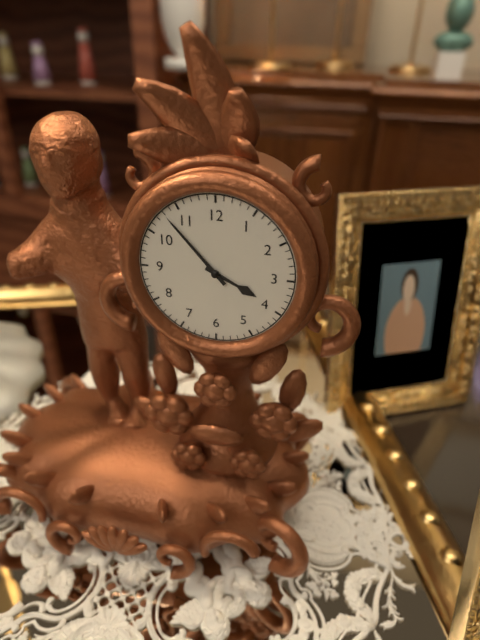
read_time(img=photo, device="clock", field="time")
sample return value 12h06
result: 3h53
